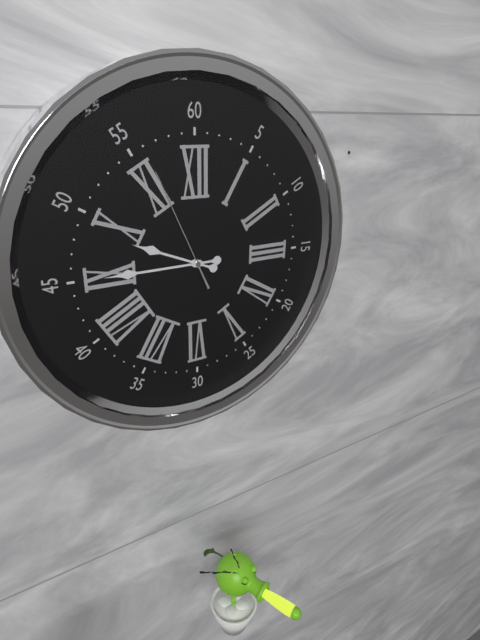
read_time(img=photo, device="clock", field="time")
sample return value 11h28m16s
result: 9h45m56s
